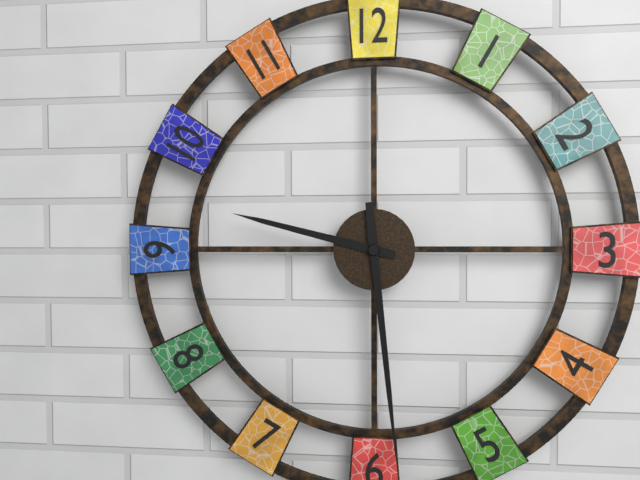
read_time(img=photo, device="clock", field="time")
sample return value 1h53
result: 9h29
